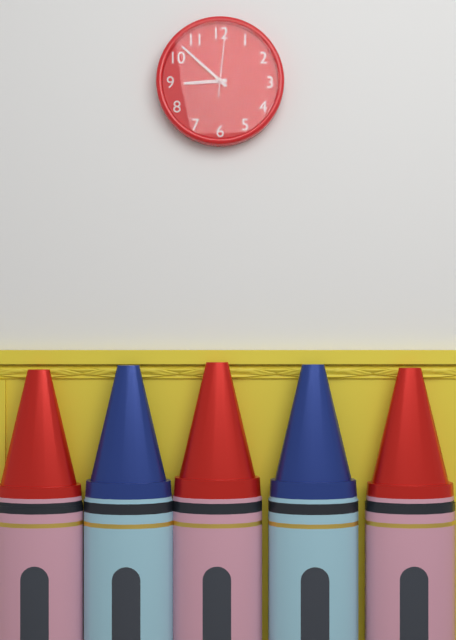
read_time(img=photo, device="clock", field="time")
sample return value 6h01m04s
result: 8h52m01s
